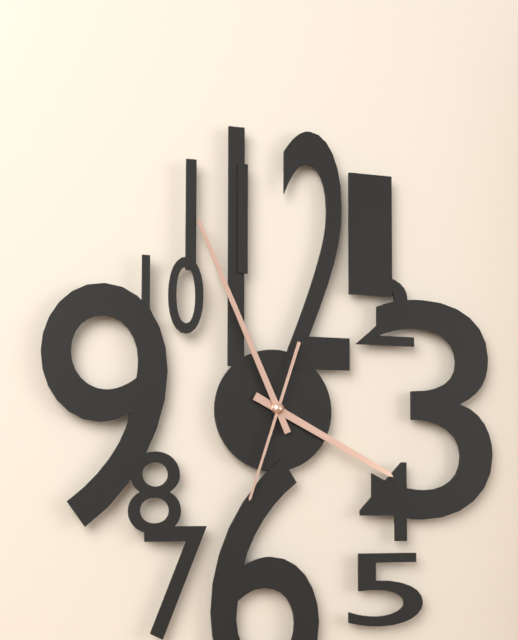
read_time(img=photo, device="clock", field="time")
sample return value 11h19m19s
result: 3h56m33s
